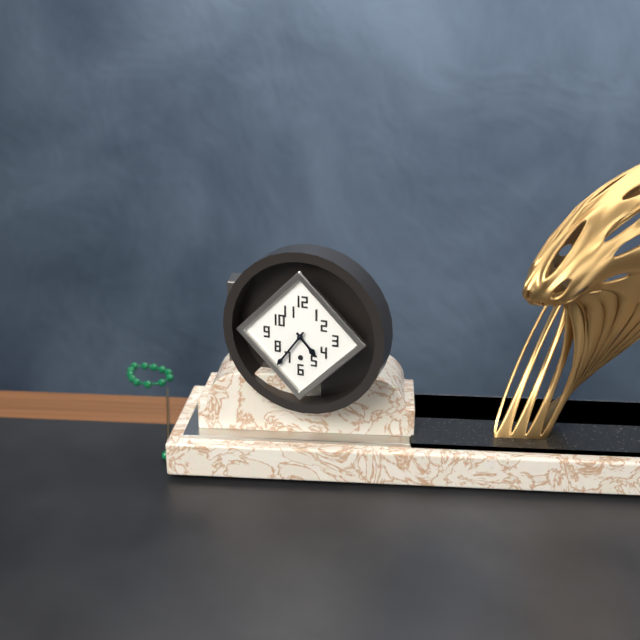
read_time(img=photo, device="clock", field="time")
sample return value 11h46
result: 4h36
